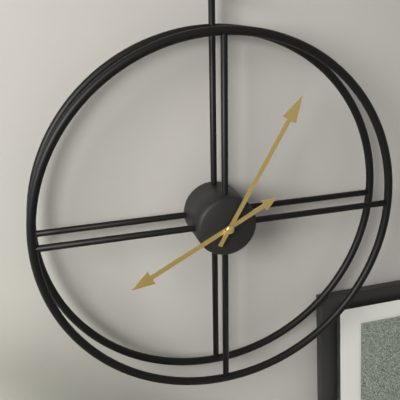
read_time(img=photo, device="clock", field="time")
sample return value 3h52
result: 8h05
